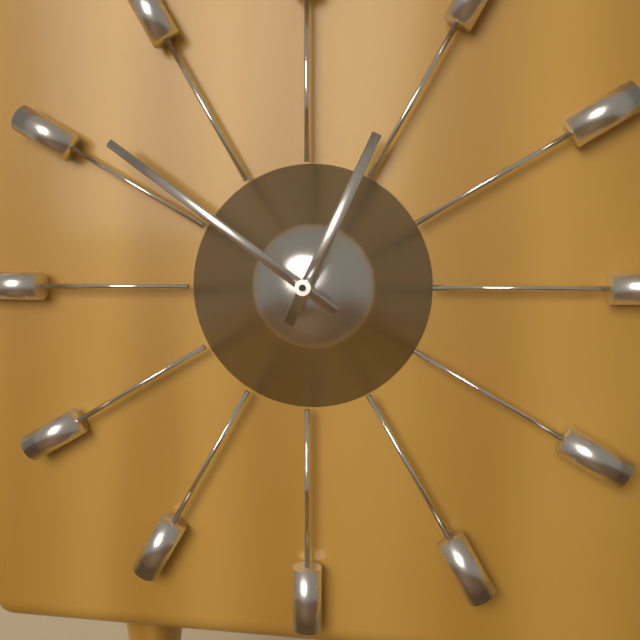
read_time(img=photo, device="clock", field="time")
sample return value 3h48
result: 12h51
